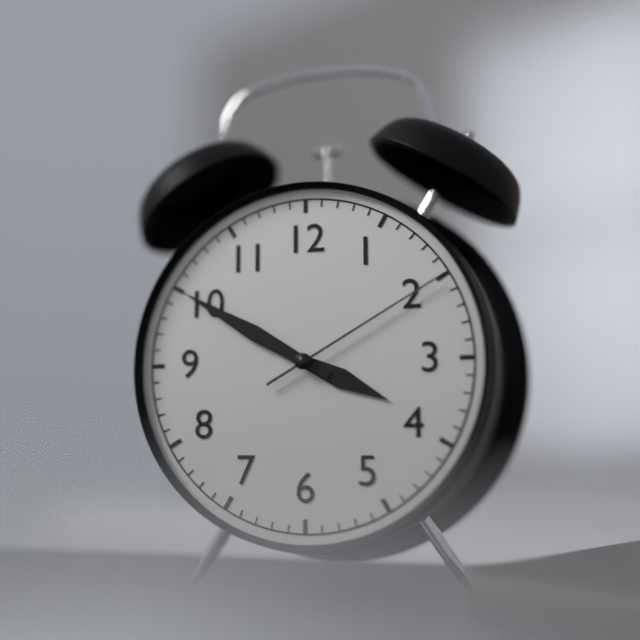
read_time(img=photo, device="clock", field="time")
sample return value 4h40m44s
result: 3h50m10s
